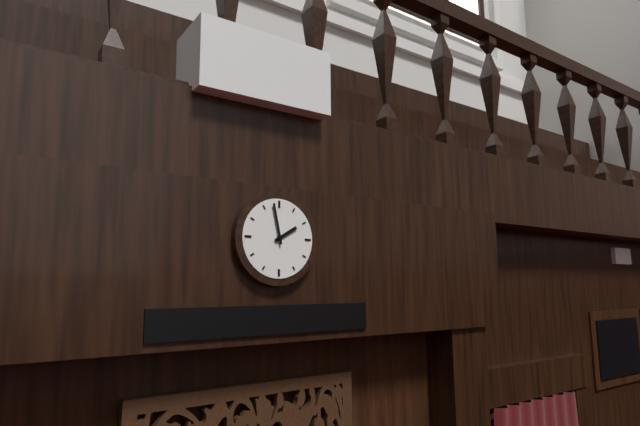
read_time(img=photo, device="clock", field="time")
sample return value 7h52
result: 1h58
